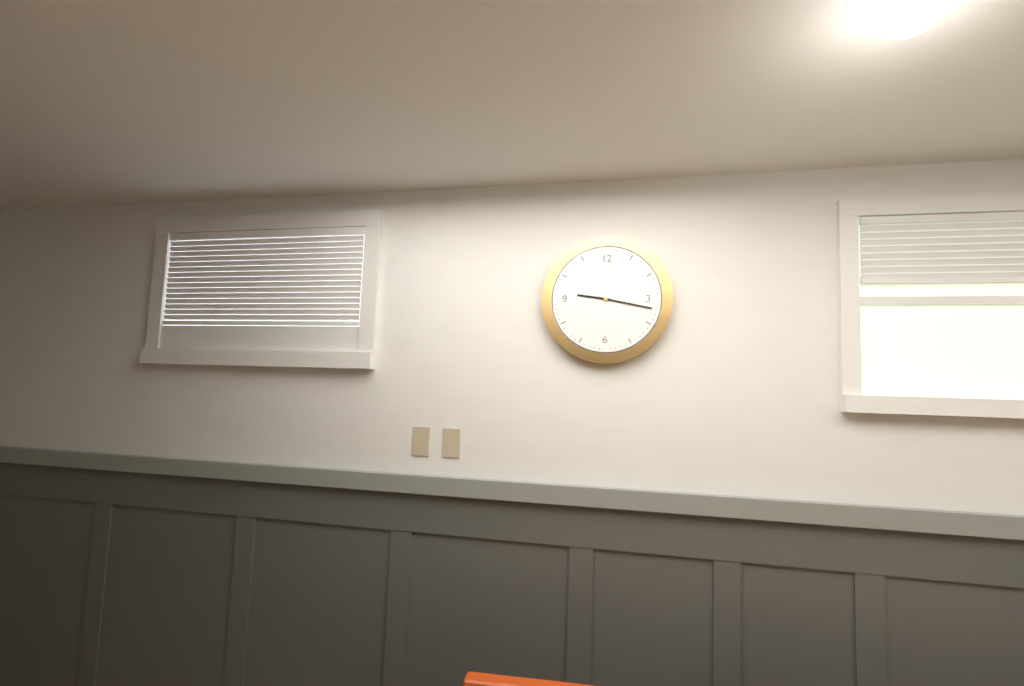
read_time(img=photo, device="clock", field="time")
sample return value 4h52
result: 9h17
